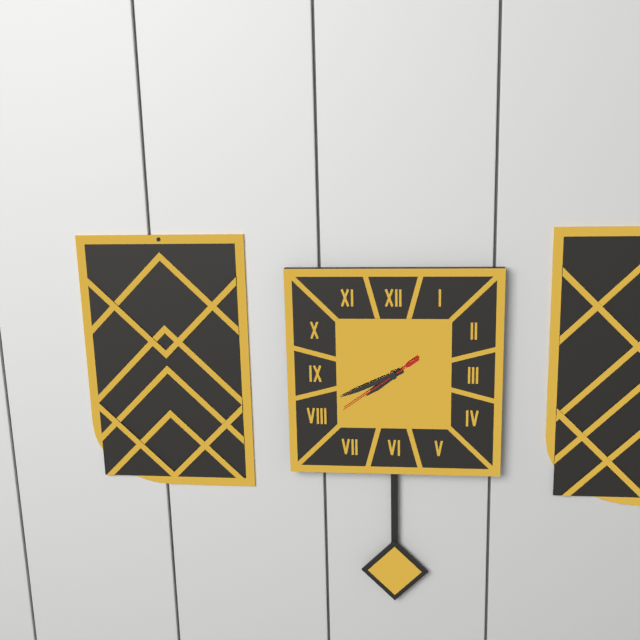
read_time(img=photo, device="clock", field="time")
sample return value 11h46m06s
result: 7h41m39s
